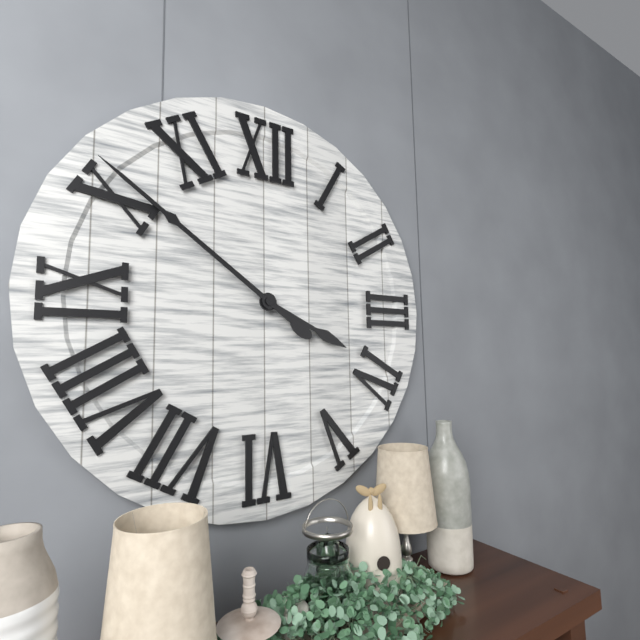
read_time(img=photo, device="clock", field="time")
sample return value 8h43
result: 3h51
